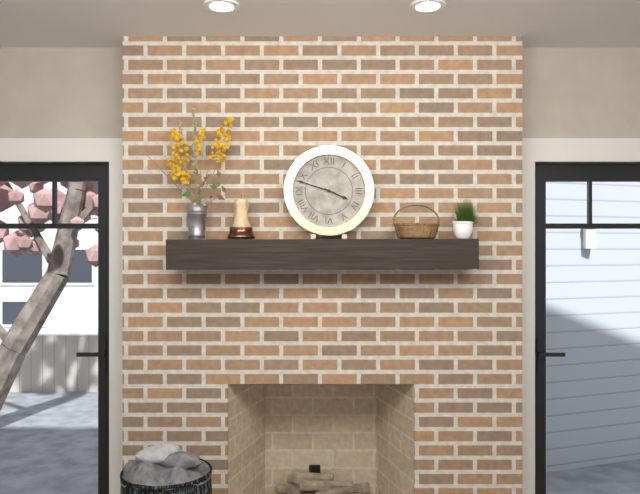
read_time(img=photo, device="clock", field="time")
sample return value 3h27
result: 3h48
